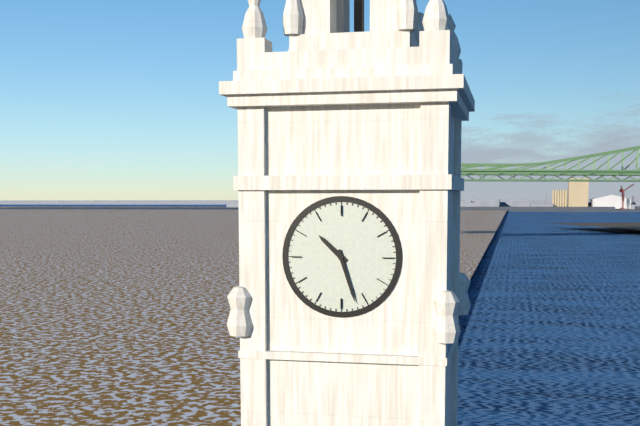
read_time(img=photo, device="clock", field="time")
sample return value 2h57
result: 10h27
